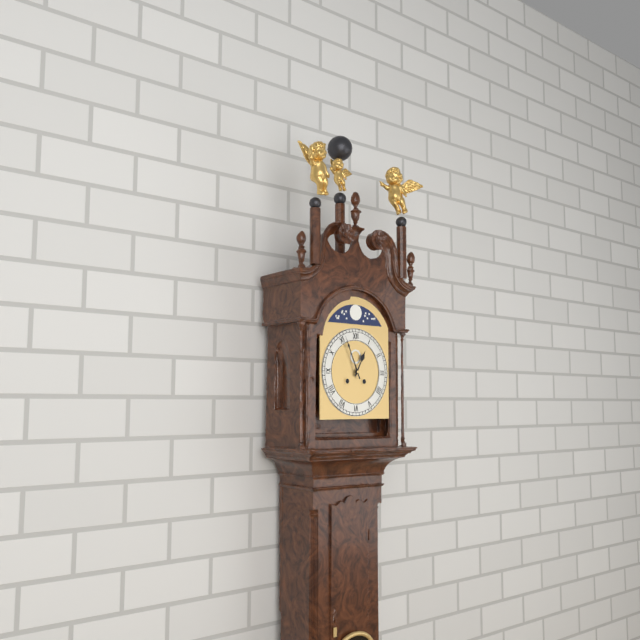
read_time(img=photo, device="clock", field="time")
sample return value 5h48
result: 12h56
